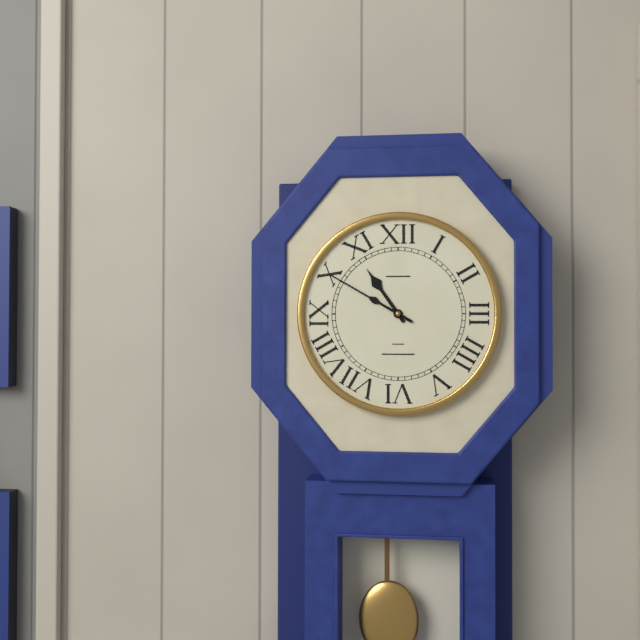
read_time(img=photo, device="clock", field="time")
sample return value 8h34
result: 10h50
